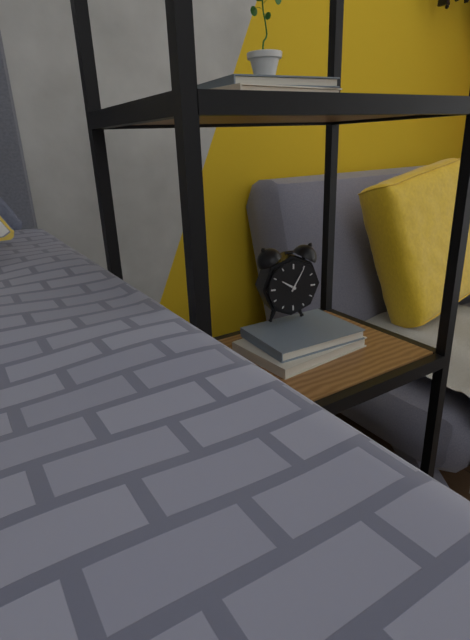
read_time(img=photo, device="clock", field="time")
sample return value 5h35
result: 10h05
